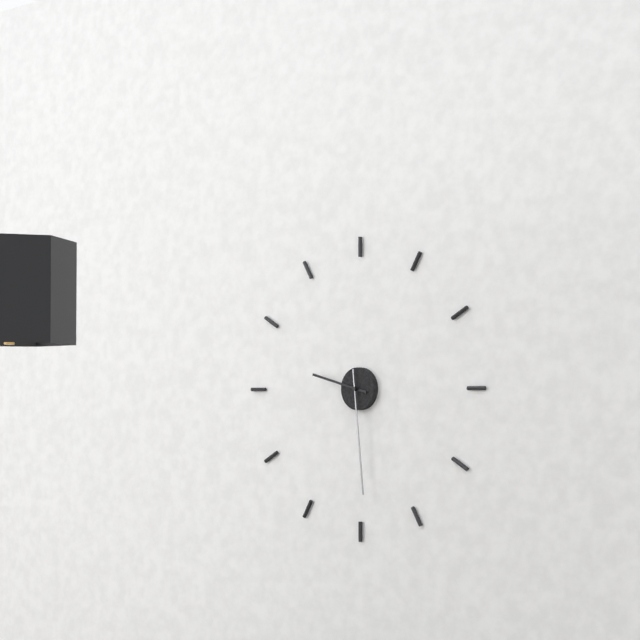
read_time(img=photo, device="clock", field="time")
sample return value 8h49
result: 9h29
